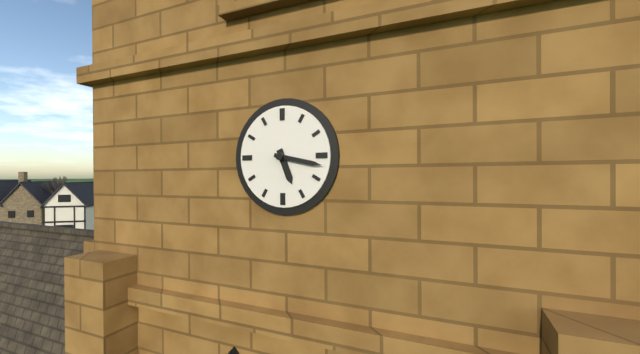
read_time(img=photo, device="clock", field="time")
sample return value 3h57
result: 5h17
